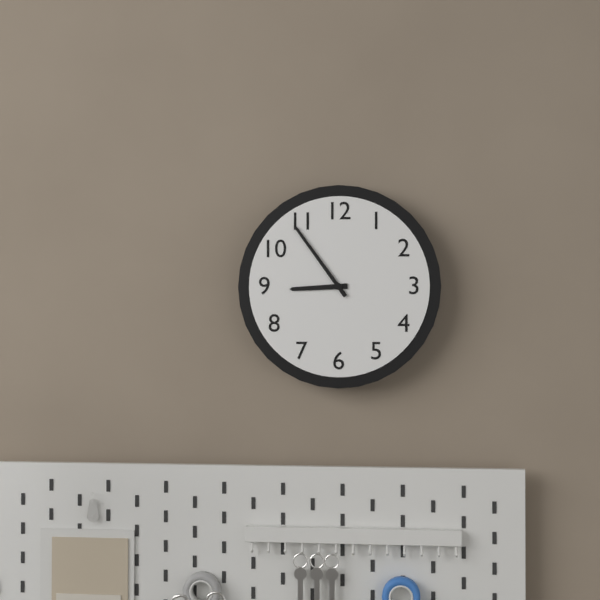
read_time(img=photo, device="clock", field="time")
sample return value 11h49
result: 8h54
